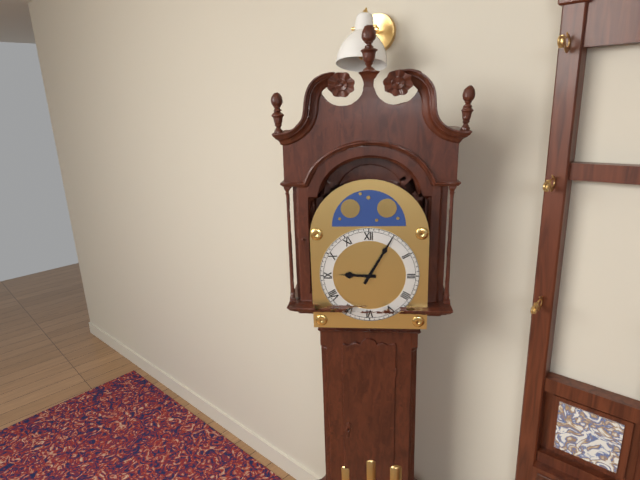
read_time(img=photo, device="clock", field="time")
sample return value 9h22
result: 9h05
